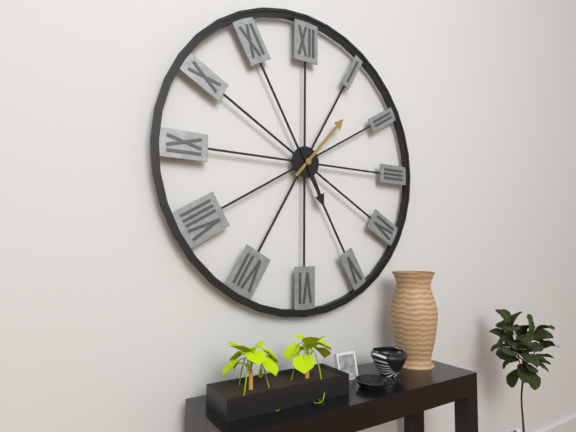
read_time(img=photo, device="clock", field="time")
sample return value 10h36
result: 5h07
